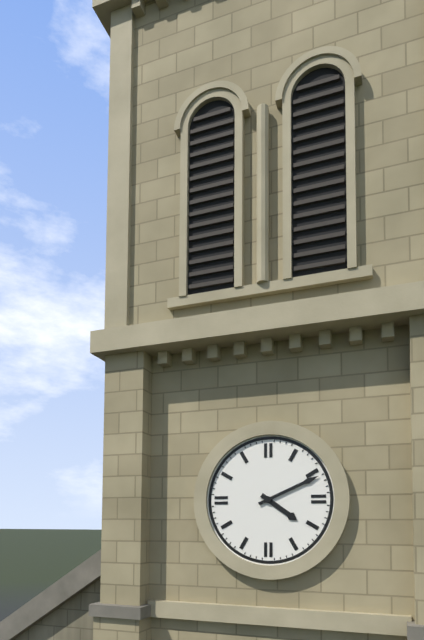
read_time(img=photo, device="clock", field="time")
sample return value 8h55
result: 4h11
